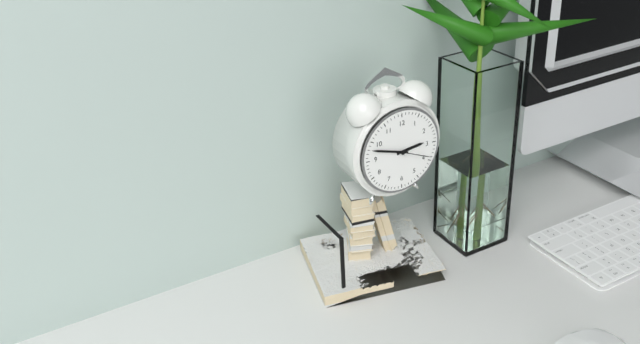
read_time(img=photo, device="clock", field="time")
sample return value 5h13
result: 2h48
